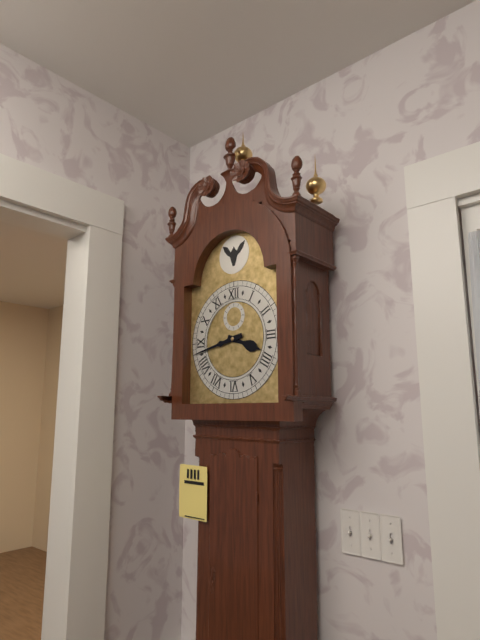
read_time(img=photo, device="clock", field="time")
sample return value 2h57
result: 3h43
